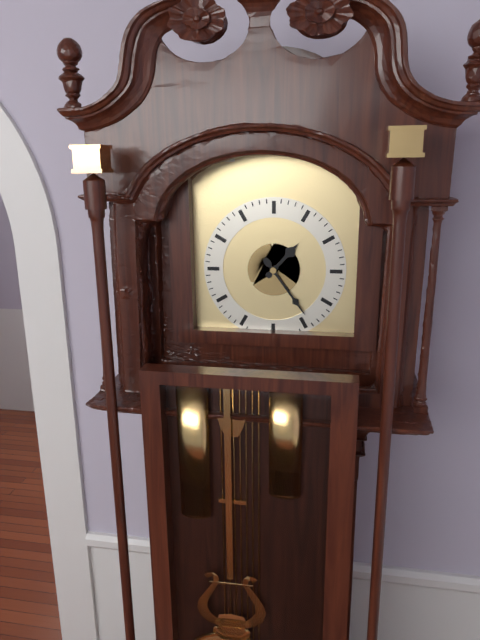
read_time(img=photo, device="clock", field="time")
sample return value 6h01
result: 1h24
